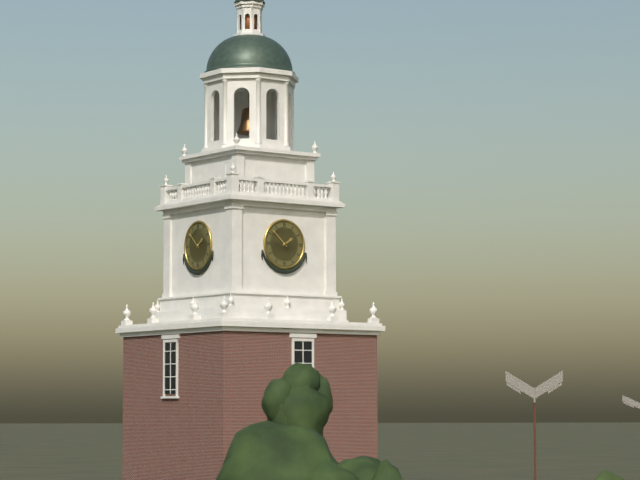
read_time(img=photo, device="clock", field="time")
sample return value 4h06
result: 1h52
